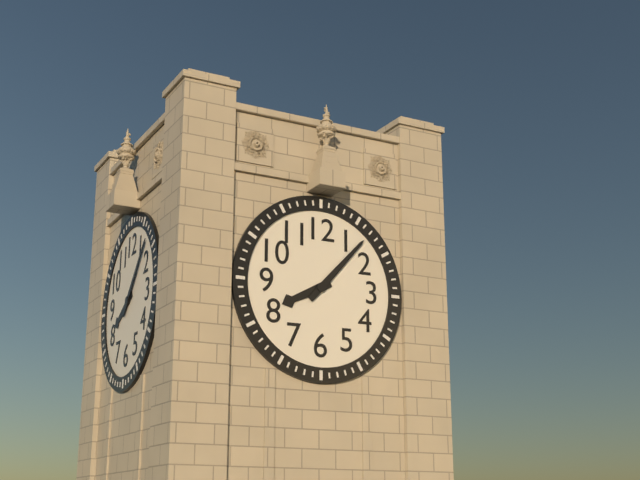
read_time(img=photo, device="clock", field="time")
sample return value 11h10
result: 8h07
